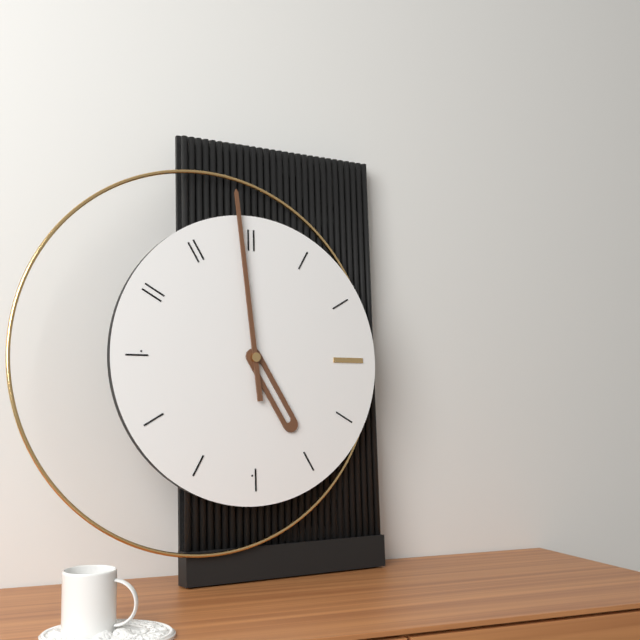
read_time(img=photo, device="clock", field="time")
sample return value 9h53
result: 4h59
